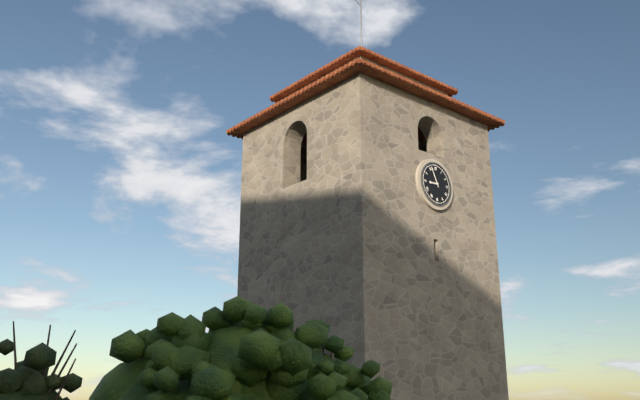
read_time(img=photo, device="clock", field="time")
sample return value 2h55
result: 8h56
